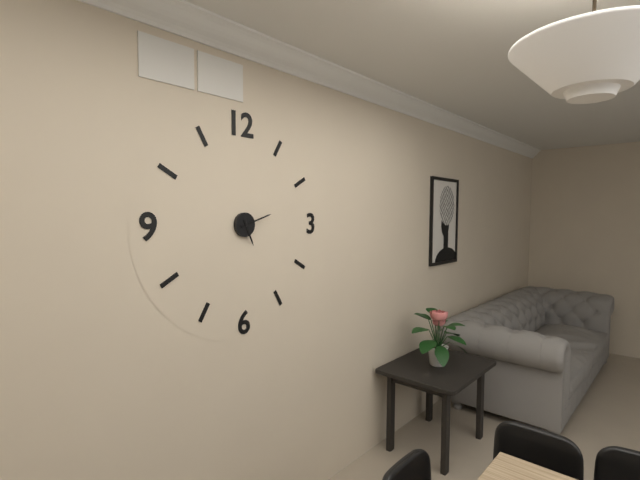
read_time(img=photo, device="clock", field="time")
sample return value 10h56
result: 5h12
